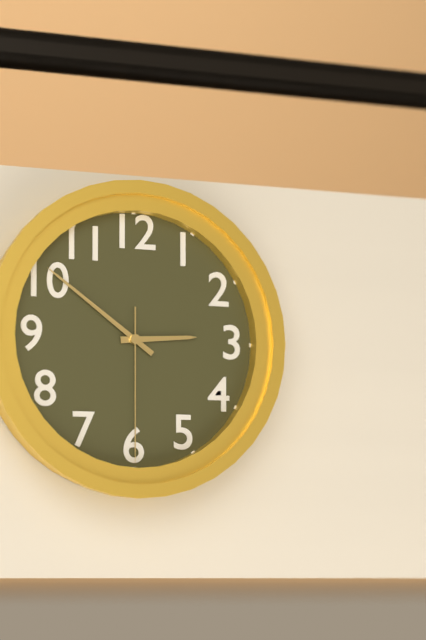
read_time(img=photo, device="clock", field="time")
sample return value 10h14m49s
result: 2h51m30s
